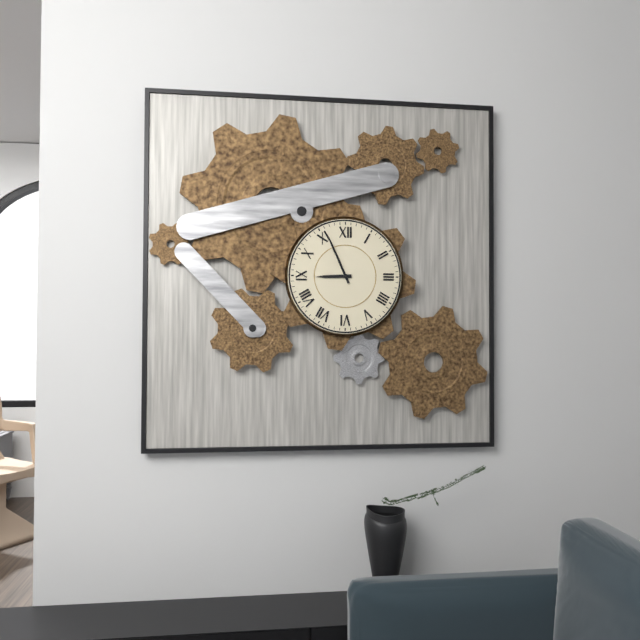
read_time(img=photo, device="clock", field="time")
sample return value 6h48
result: 8h56
